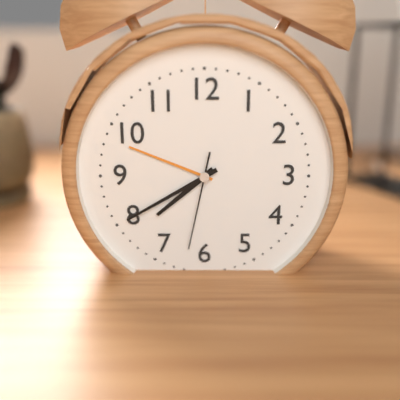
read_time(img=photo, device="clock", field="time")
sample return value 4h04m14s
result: 7h40m32s
